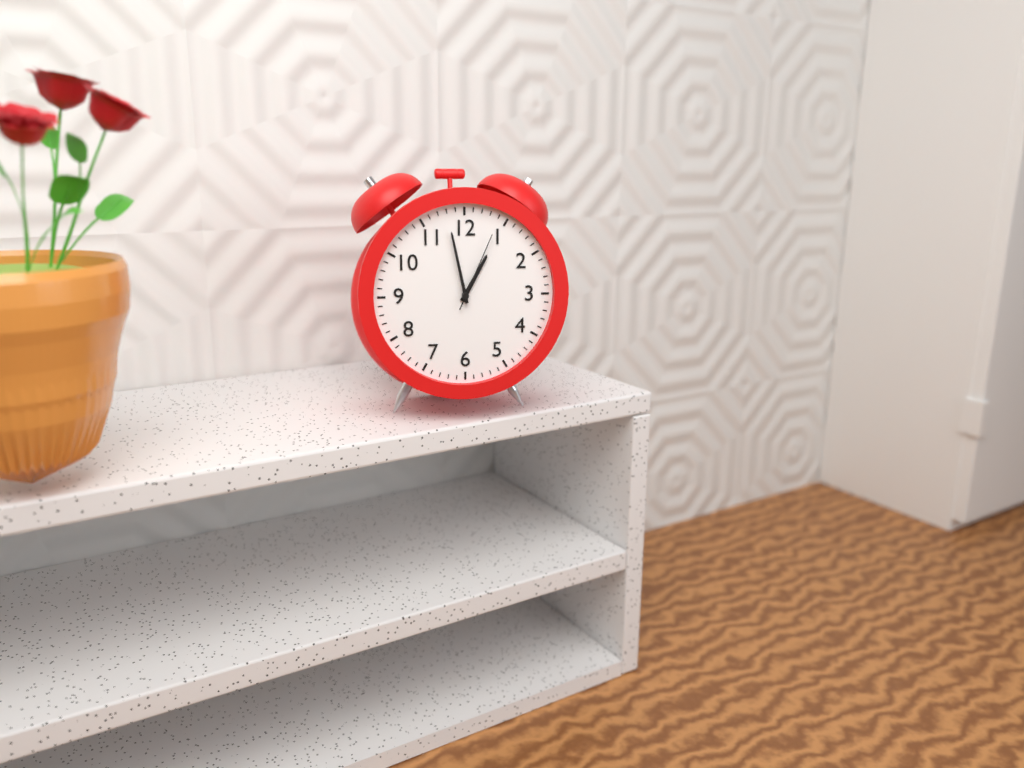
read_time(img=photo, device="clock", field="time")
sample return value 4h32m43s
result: 12h58m04s
